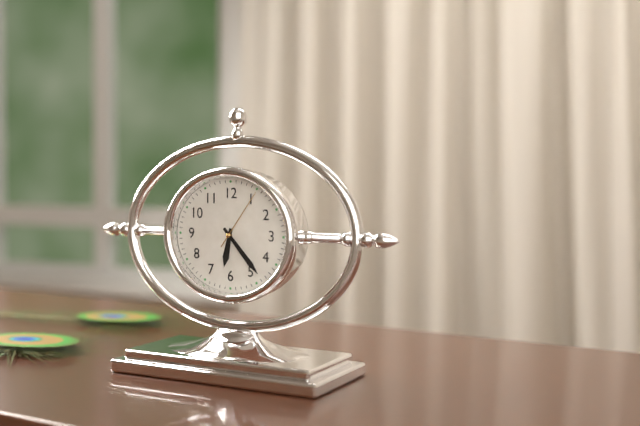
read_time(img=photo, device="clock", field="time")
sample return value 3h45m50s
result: 6h23m06s
